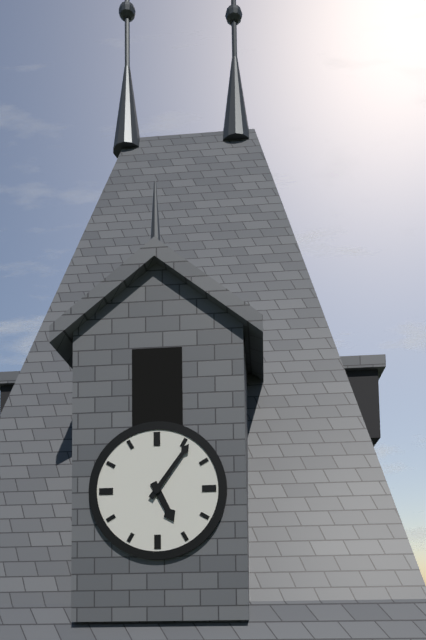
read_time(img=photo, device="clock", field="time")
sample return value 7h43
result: 5h06
